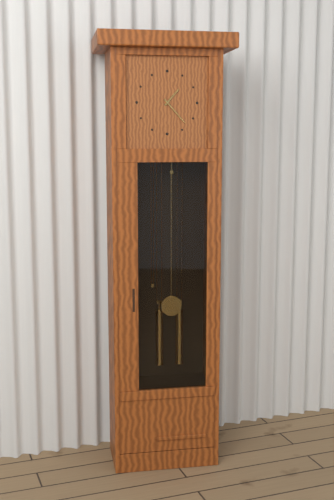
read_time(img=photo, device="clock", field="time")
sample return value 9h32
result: 1h23
